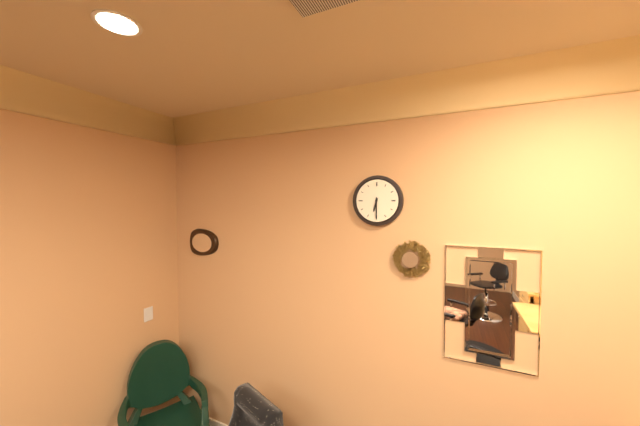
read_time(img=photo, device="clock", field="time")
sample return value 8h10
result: 6h30
